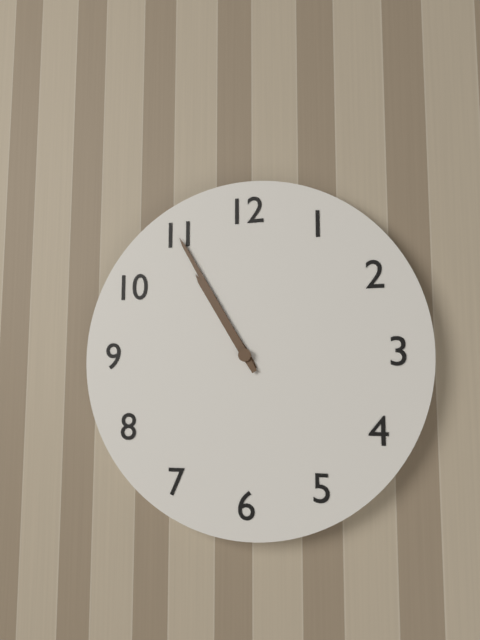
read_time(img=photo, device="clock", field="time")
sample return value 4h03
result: 10h55
